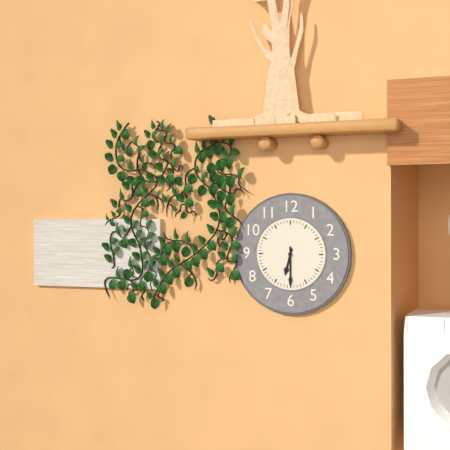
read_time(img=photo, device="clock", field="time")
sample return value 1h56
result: 6h30
